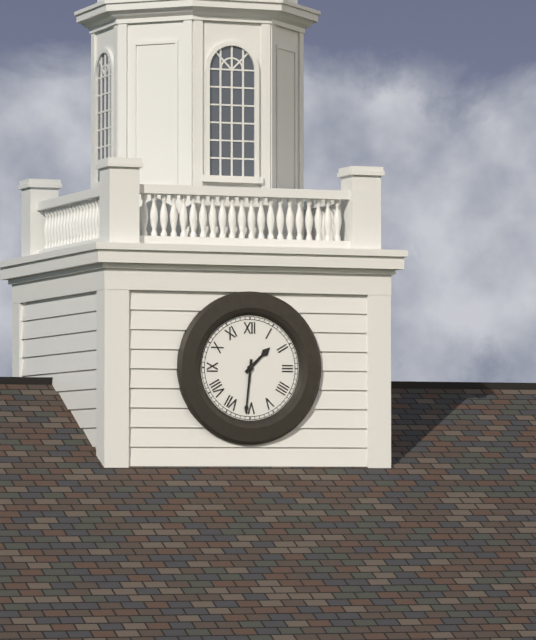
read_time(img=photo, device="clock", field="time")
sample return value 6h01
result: 1h31
